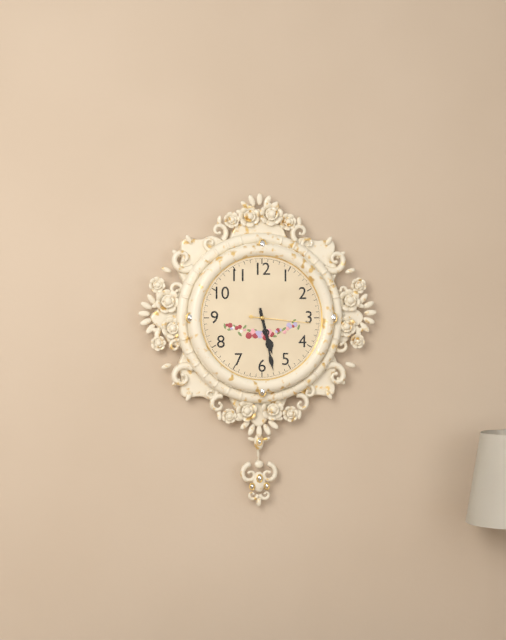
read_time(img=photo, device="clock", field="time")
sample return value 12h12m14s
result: 5h28m16s
